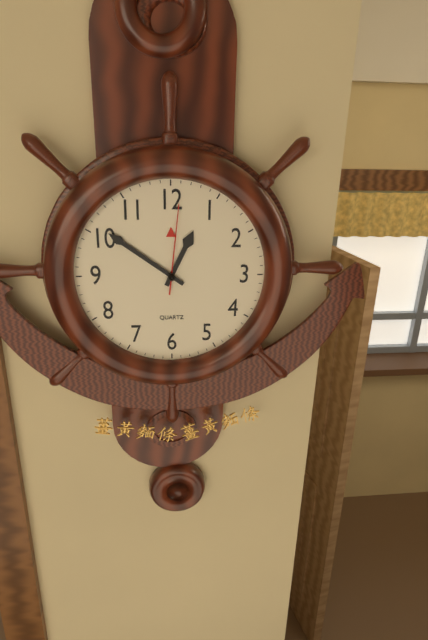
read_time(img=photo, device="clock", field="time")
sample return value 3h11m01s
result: 12h51m01s
